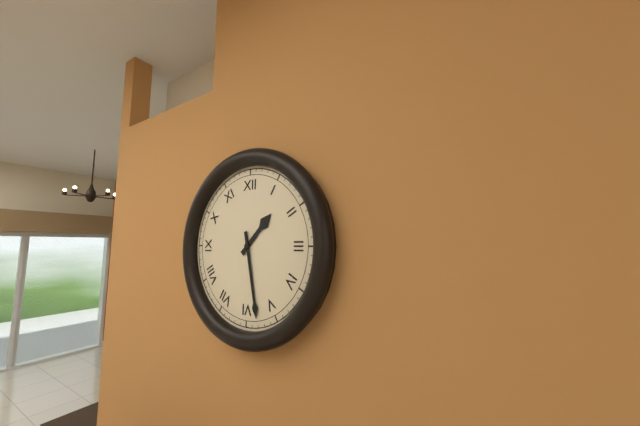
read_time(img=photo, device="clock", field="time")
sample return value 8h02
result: 1h28
